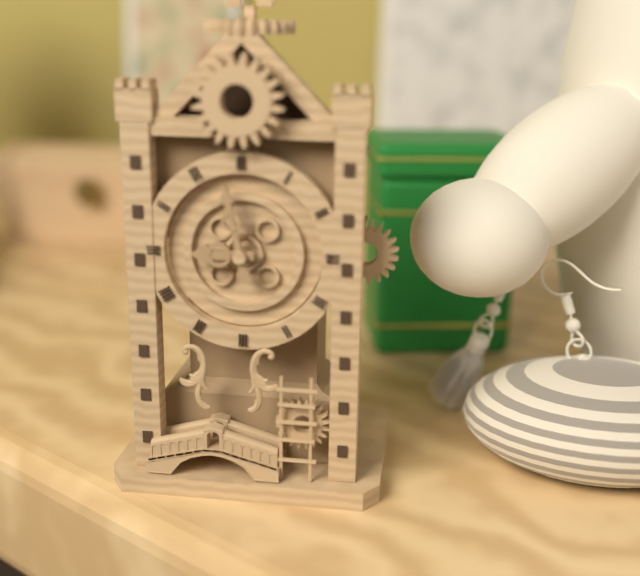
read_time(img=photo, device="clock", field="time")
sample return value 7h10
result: 8h58
